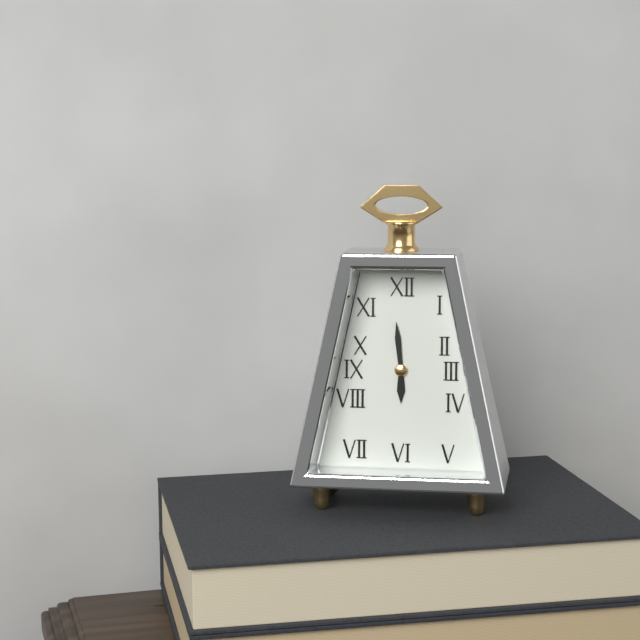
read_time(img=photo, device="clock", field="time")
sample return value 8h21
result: 5h59
